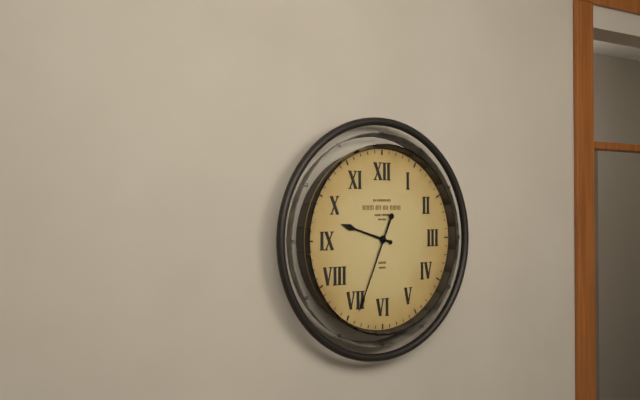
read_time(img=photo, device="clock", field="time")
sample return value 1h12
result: 9h34
